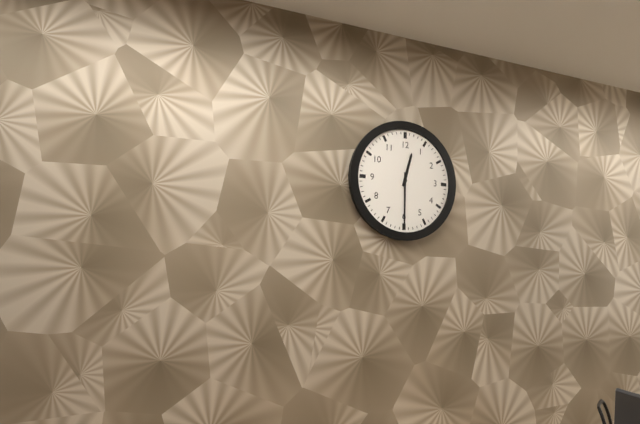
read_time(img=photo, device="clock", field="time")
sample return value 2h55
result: 12h30
